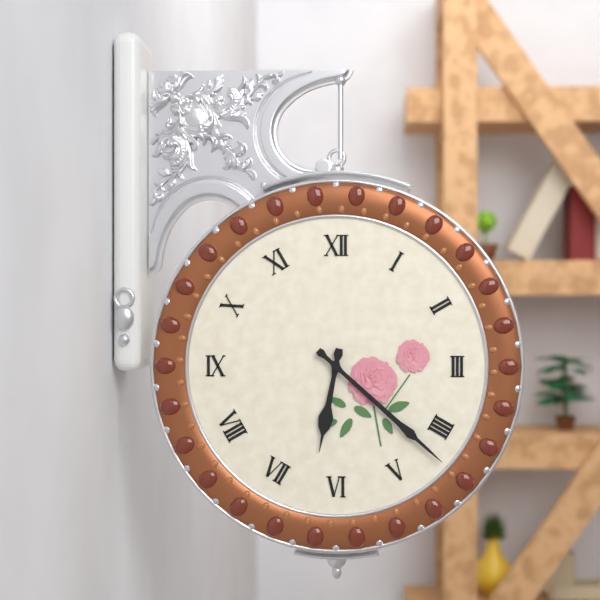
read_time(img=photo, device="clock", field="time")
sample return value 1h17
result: 6h22
